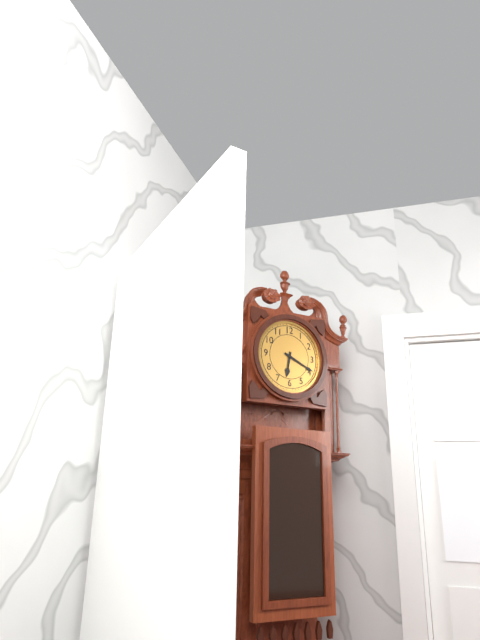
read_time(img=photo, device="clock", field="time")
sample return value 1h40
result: 6h19
